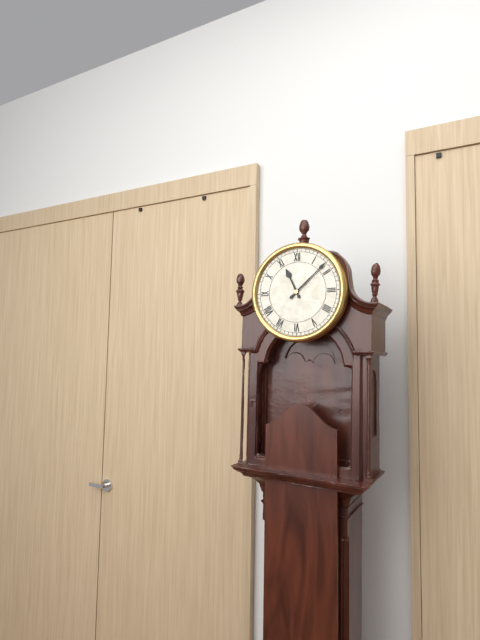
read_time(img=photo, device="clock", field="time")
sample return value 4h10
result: 11h08
